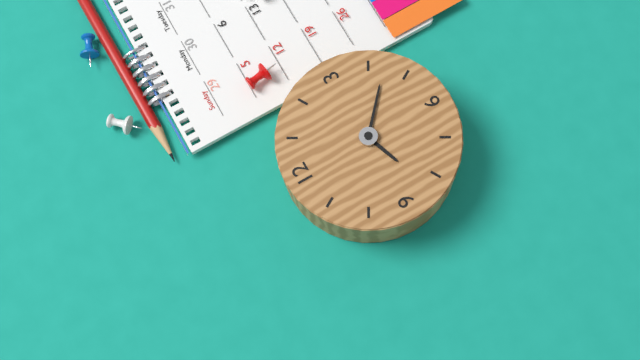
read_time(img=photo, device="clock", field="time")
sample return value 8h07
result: 8h22
